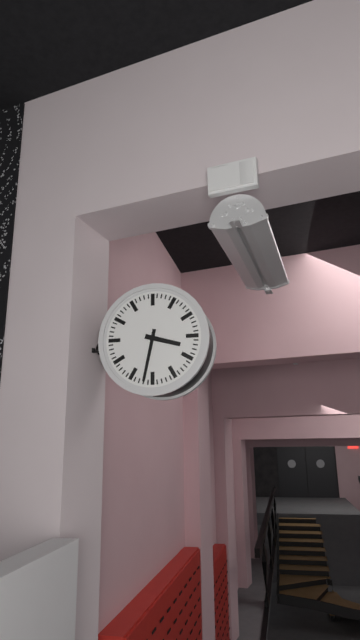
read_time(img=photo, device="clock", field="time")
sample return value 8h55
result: 3h32
